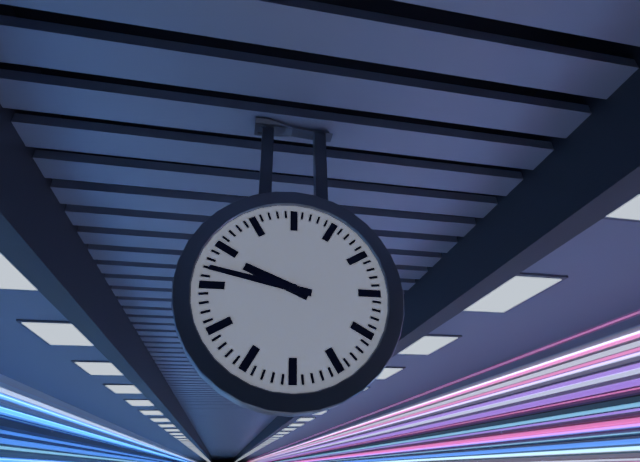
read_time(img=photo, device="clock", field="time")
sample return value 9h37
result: 9h47
